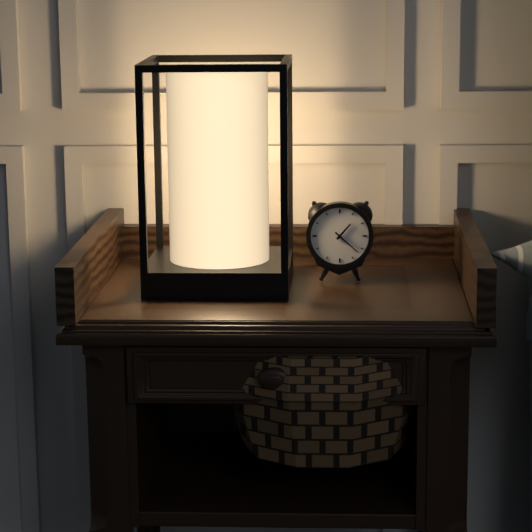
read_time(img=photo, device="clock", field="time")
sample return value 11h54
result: 1h22
